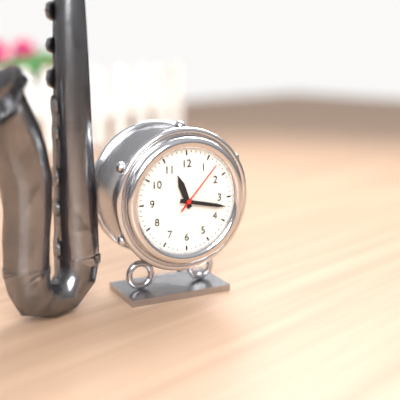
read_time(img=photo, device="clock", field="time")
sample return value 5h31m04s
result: 11h17m07s
